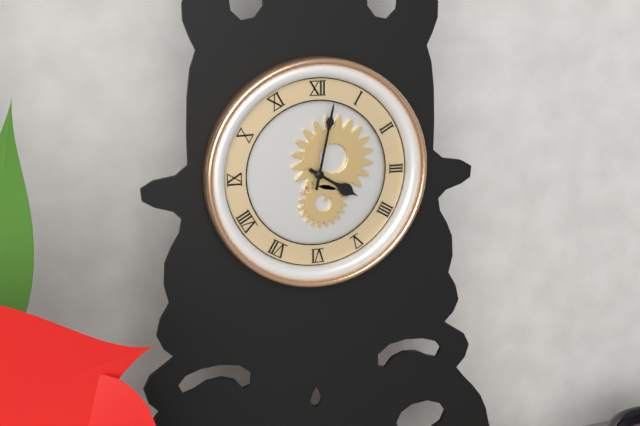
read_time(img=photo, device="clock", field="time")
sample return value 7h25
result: 4h02
